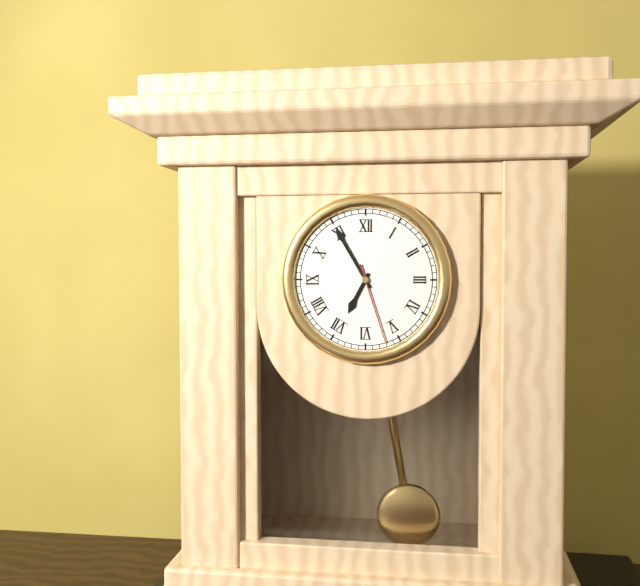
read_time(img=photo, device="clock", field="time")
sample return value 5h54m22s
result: 6h55m27s
